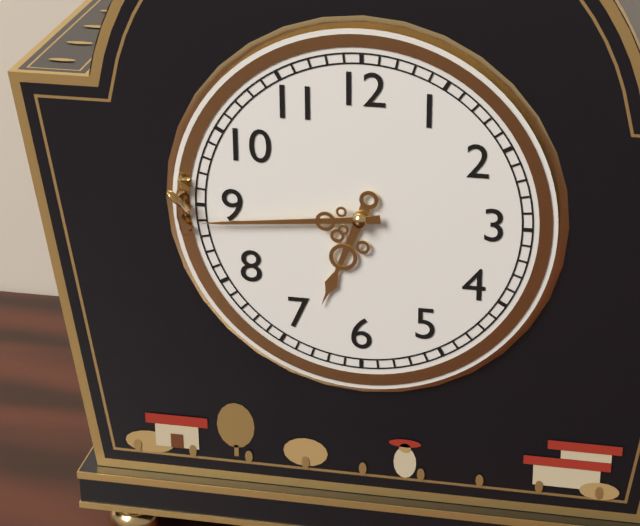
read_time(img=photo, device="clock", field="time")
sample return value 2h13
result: 6h44
